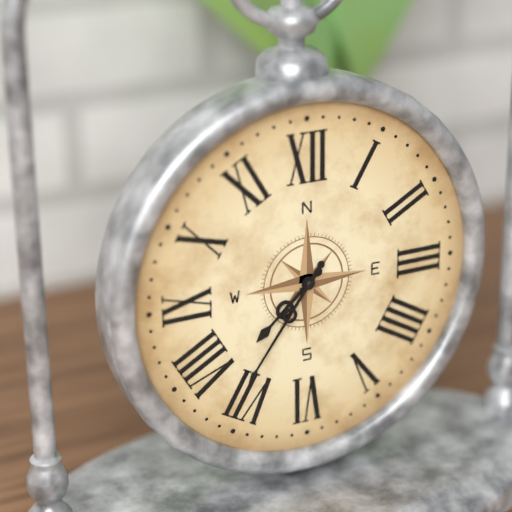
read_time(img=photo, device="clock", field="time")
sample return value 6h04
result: 7h36
